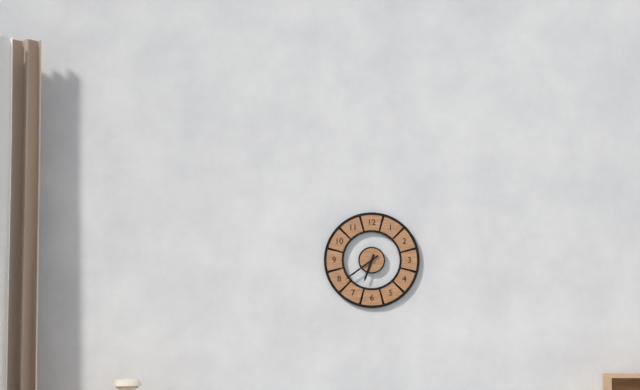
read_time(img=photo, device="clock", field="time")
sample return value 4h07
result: 6h39
